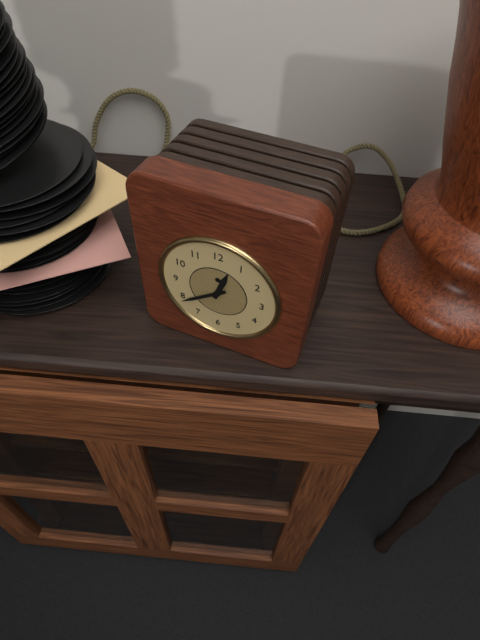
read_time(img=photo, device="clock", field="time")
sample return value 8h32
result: 12h39
